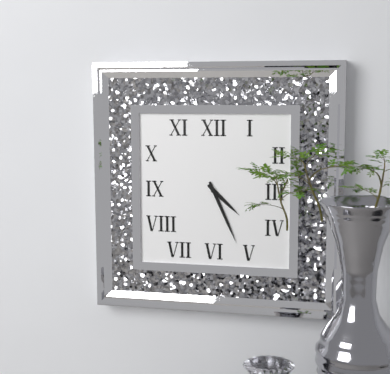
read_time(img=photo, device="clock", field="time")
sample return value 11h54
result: 4h26
